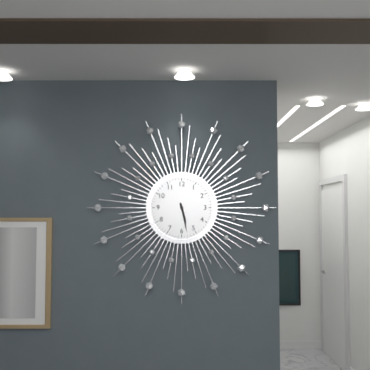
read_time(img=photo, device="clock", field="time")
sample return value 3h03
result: 5h28
